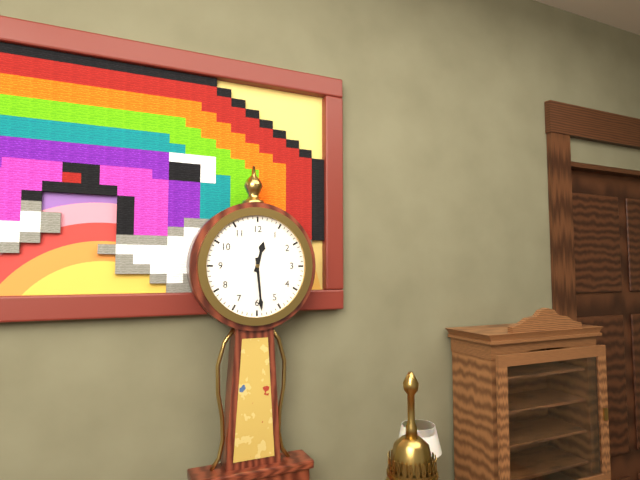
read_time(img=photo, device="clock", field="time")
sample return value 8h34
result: 12h29
